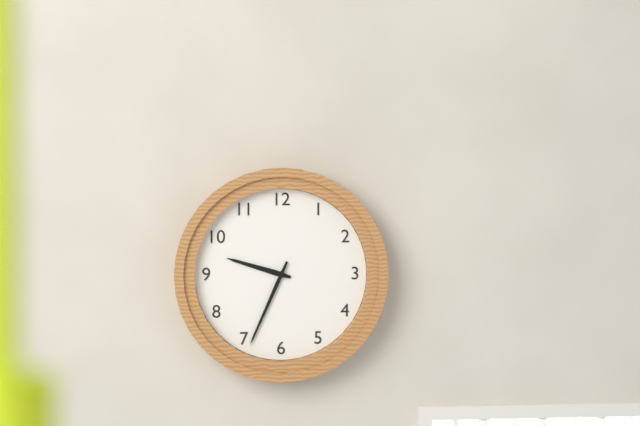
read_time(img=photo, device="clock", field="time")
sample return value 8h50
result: 9h34
